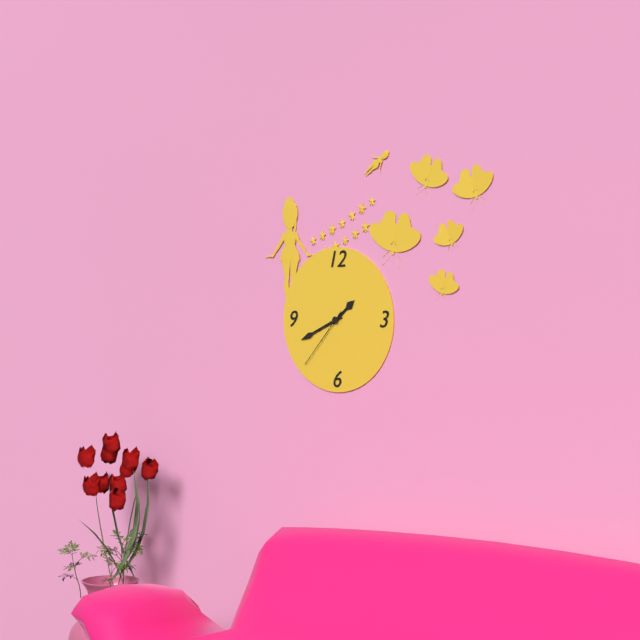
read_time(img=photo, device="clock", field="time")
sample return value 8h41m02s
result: 1h41m37s
